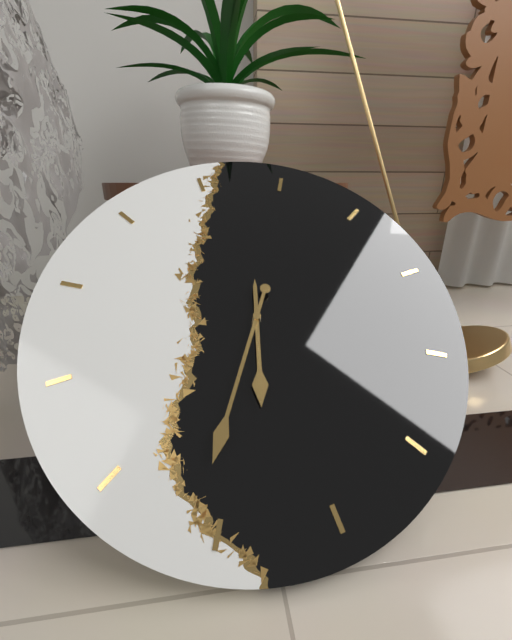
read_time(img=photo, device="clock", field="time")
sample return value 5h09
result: 6h36
